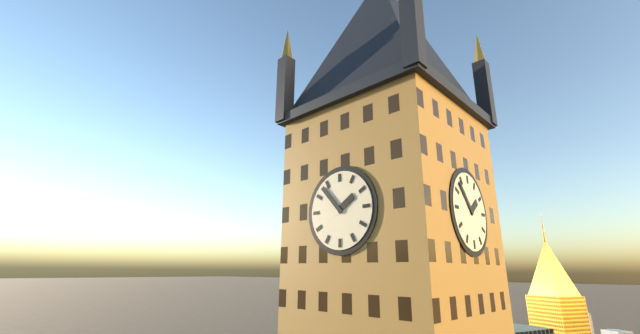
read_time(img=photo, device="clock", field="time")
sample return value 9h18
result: 1h53
